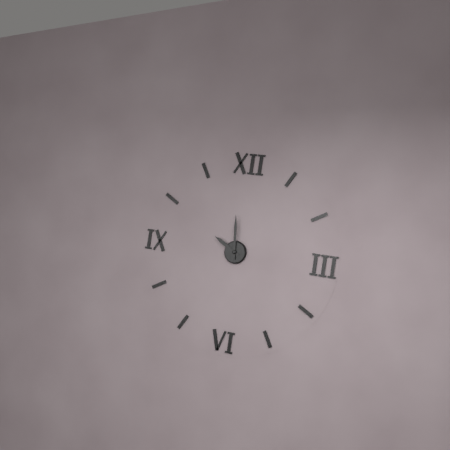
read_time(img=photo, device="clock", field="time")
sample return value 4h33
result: 9h59
